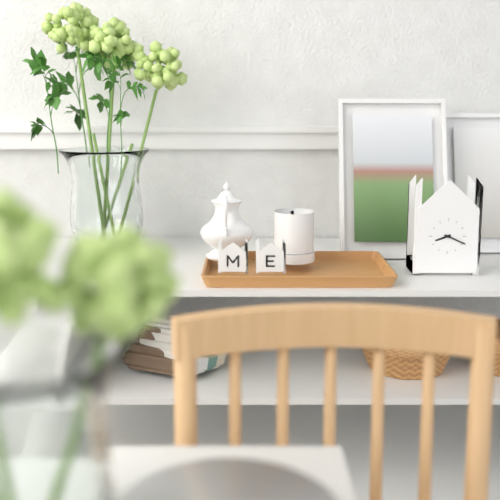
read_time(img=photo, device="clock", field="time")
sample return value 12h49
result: 8h19
